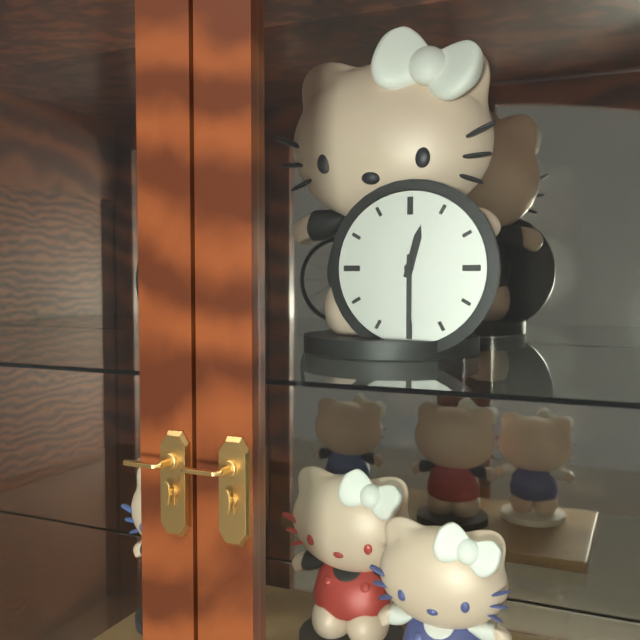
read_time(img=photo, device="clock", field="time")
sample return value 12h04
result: 12h30
